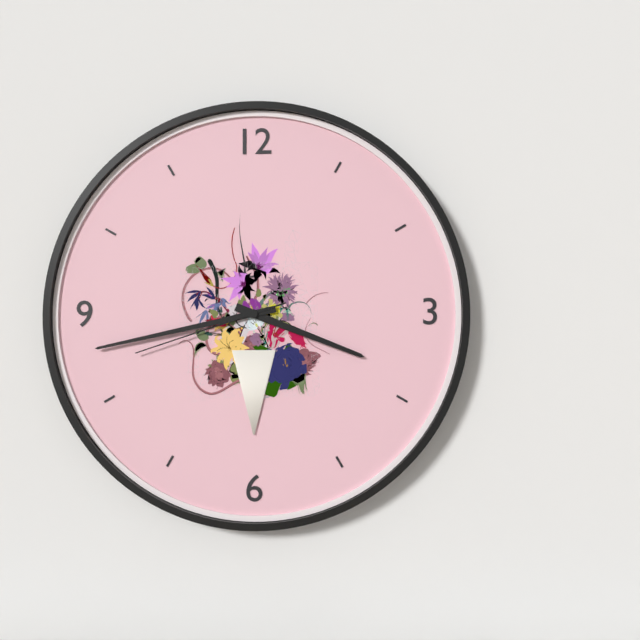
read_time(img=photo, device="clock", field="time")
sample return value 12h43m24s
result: 3h43m42s
